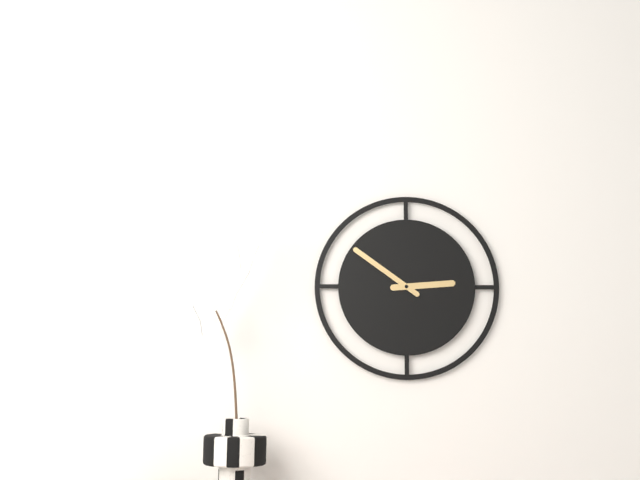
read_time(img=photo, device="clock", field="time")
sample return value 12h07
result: 2h51
